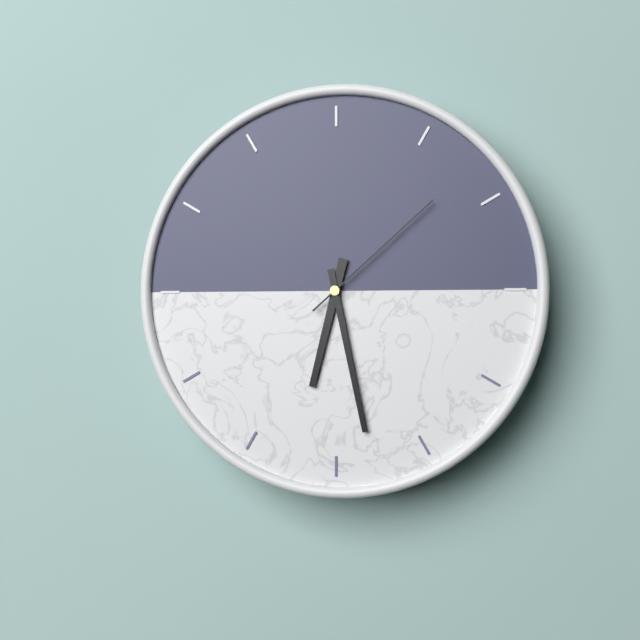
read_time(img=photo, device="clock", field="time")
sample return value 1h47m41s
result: 6h28m08s
